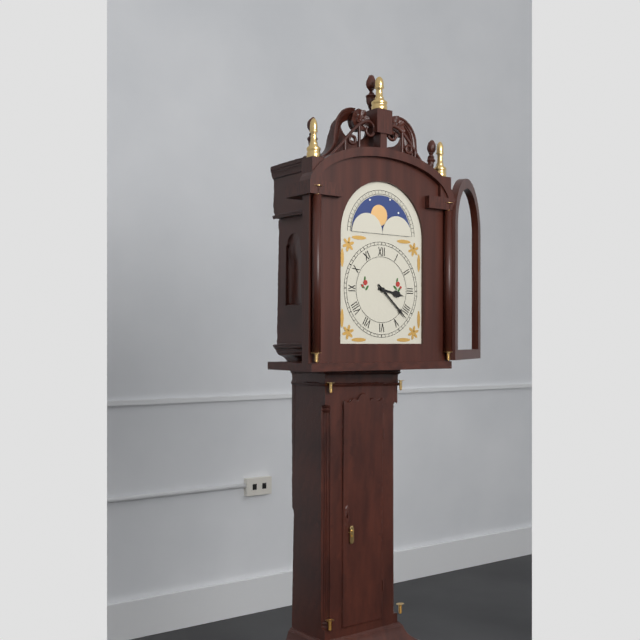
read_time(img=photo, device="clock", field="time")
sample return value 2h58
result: 3h22
